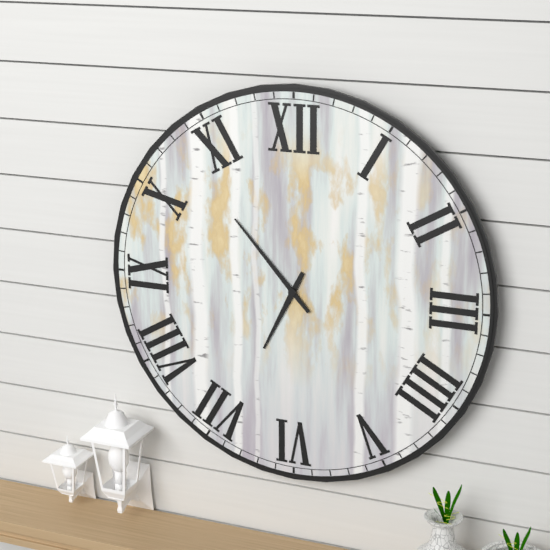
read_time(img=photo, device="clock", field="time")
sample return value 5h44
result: 6h53
